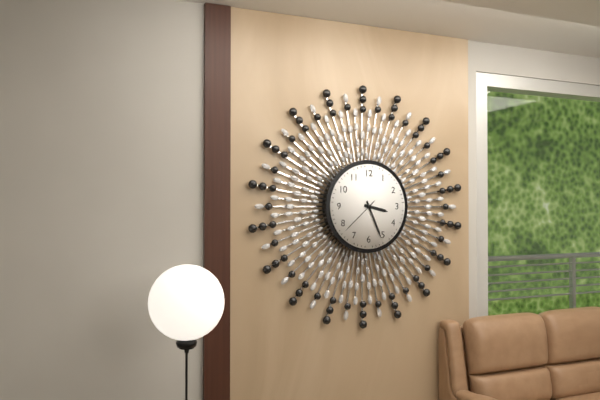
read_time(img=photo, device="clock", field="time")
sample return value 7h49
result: 3h26
